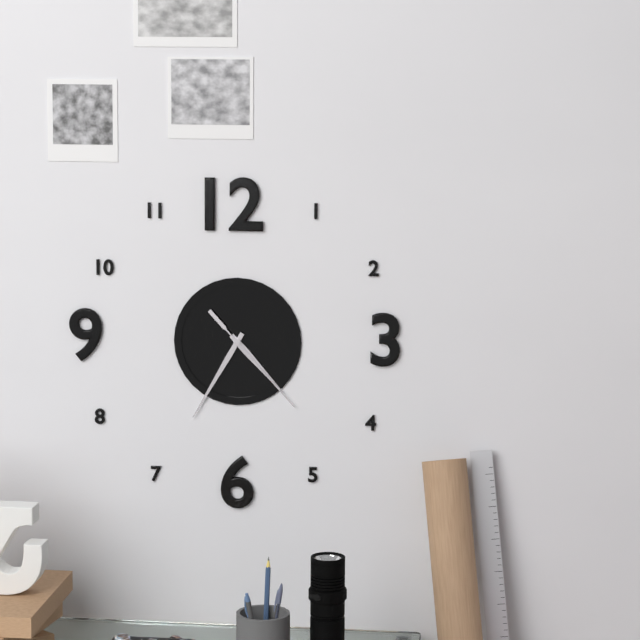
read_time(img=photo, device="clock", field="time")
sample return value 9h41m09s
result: 4h35m23s
